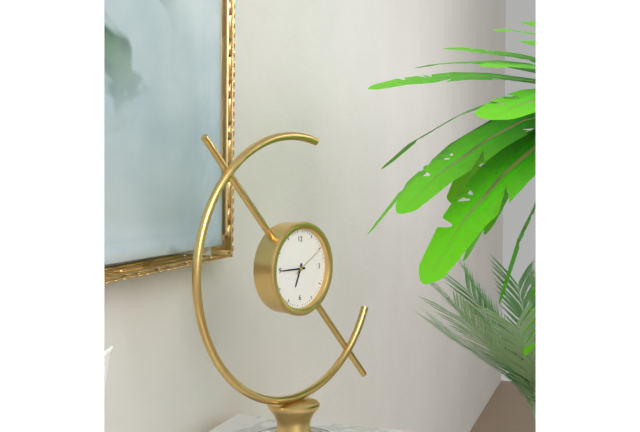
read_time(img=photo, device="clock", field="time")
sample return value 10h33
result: 6h45
